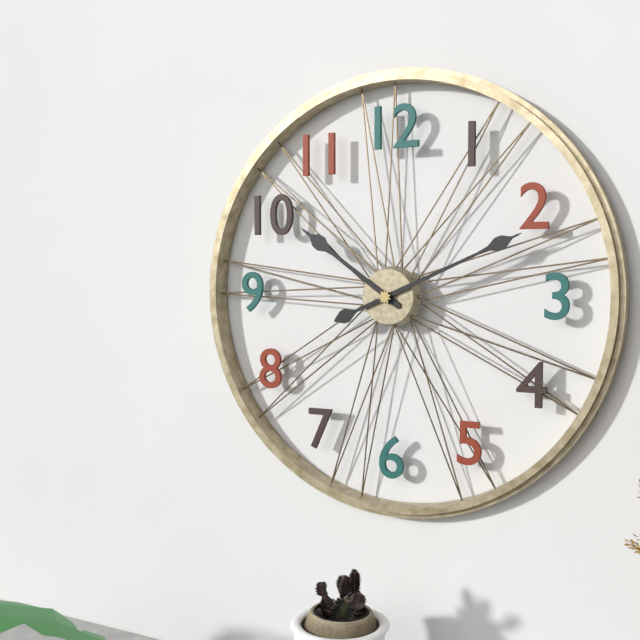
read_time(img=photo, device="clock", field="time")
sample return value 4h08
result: 10h11
